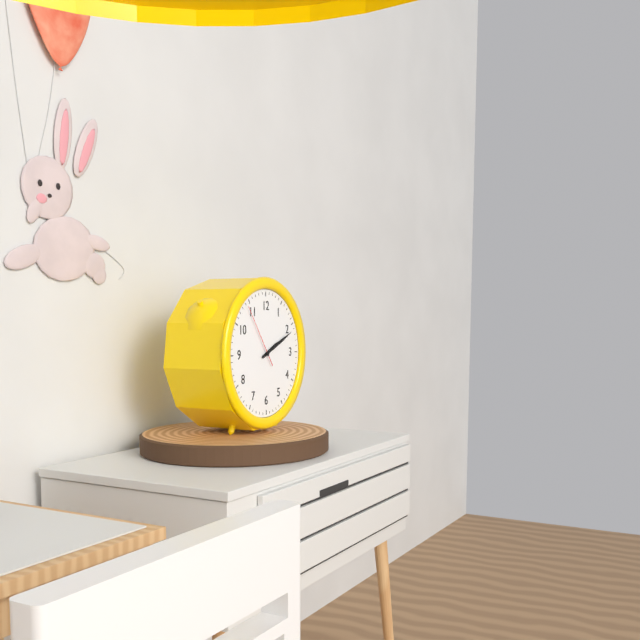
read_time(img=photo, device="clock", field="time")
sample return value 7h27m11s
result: 2h11m54s
